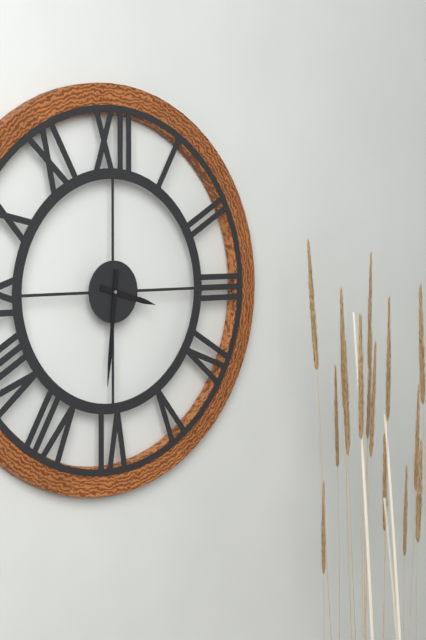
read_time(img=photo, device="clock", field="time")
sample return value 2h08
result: 3h31
